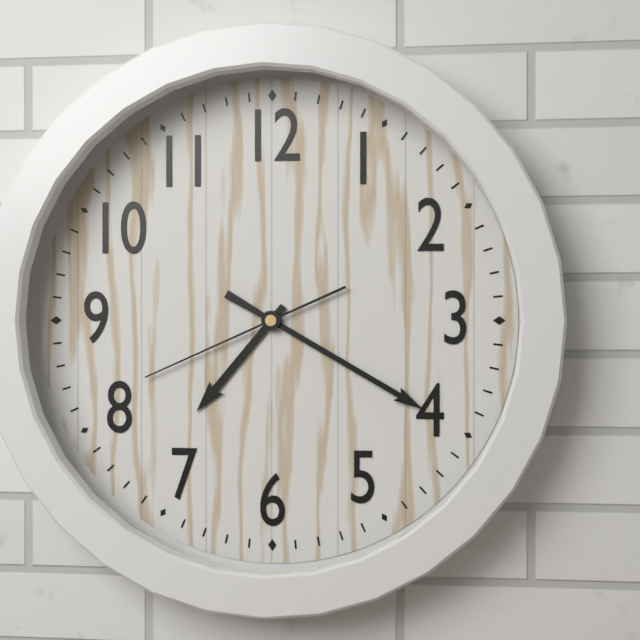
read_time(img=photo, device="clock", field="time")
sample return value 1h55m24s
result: 7h20m41s
